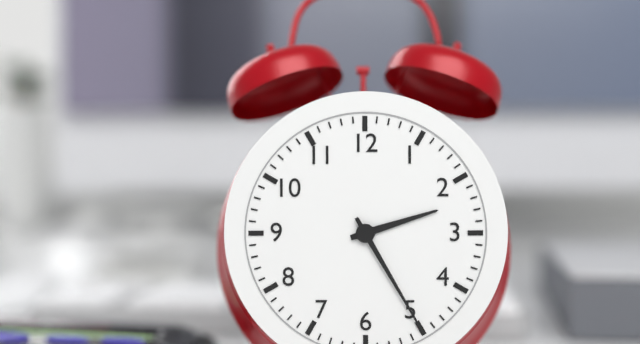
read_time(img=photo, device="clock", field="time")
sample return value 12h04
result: 2h25
